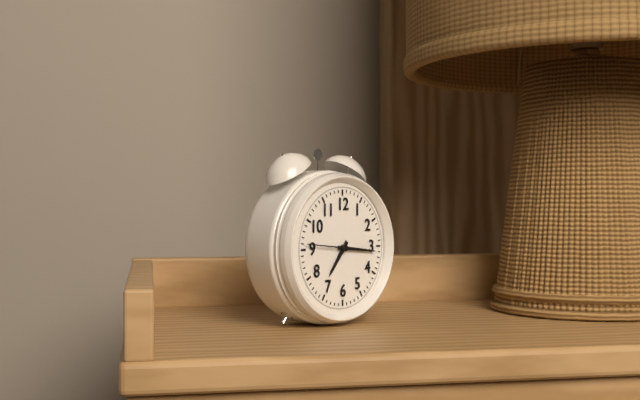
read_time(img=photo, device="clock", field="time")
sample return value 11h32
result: 7h16
